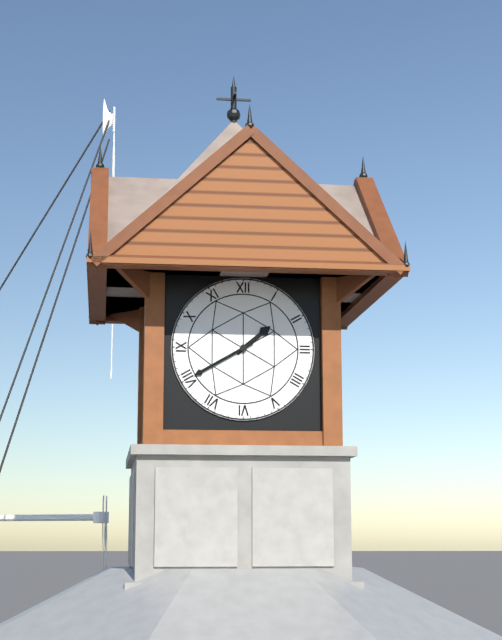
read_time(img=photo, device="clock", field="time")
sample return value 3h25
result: 1h40
